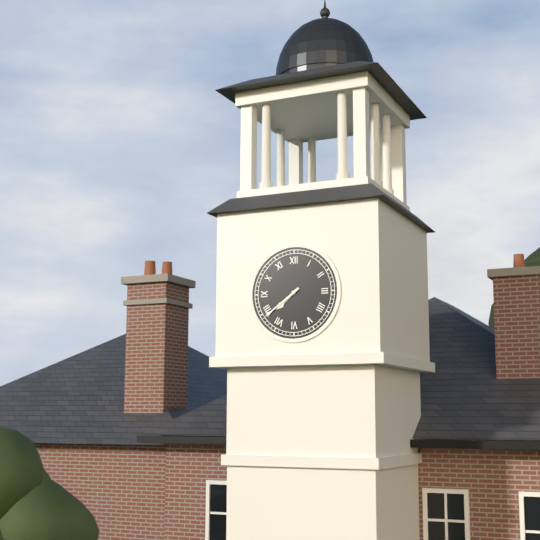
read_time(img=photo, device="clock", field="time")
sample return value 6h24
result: 7h39
